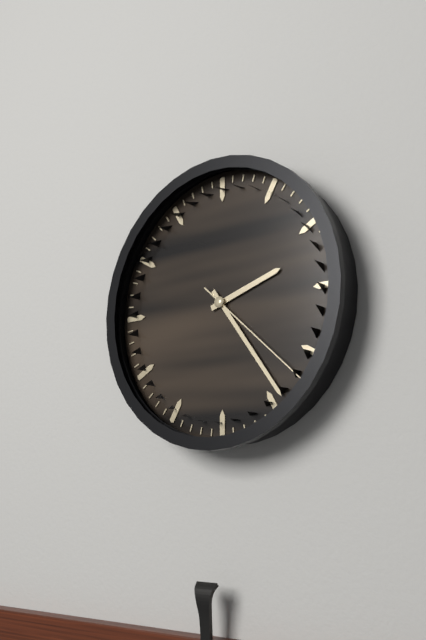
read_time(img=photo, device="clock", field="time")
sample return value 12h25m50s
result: 2h24m22s
